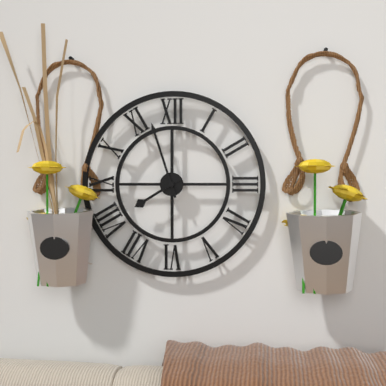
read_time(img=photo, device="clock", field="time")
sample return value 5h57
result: 7h57
